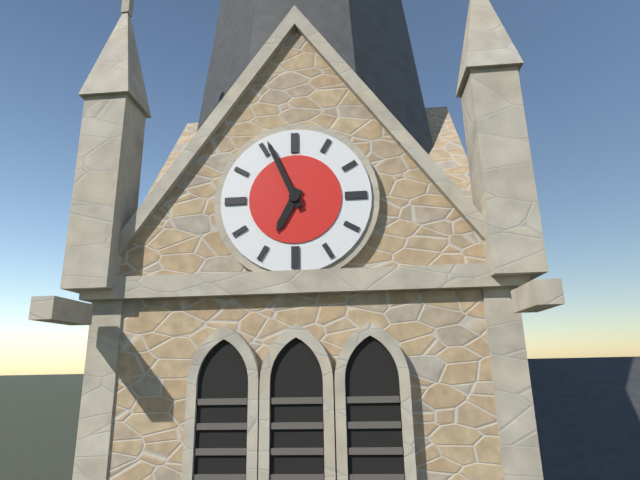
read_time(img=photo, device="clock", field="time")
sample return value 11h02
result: 6h56
